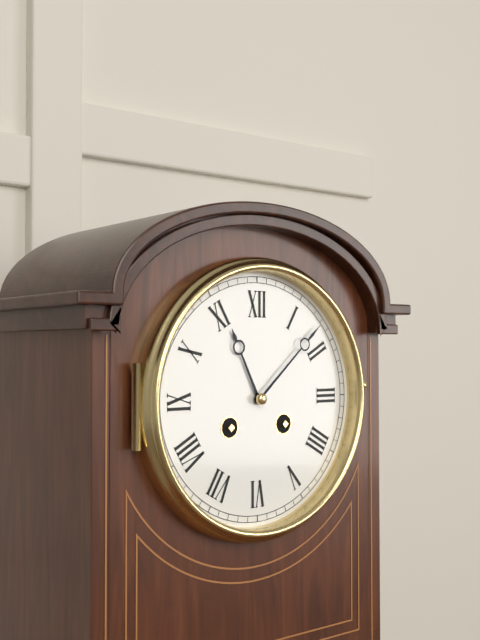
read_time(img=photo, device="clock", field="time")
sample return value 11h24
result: 11h08
